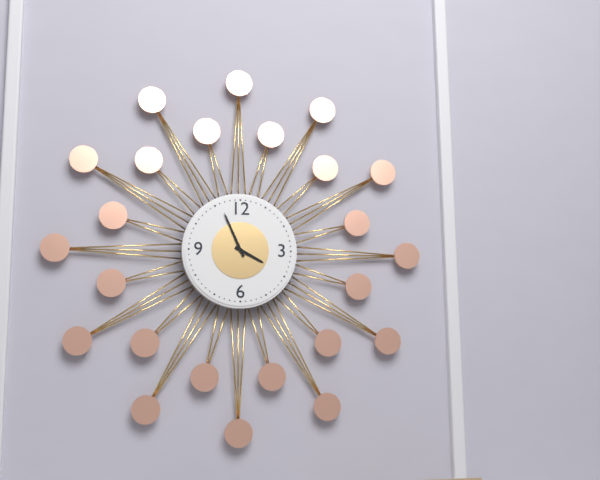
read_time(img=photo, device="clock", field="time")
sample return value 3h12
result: 3h56
